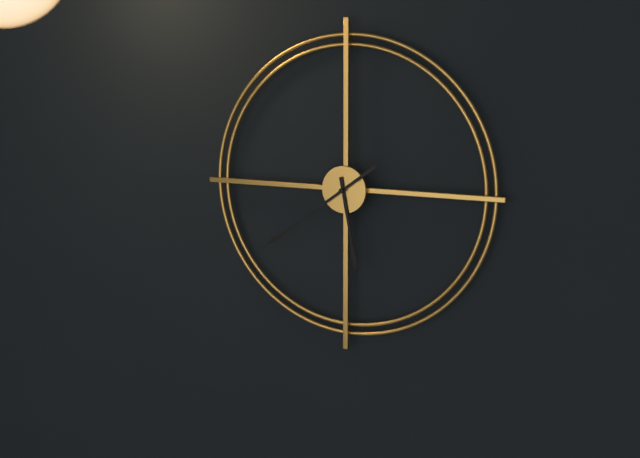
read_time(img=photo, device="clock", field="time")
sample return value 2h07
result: 5h39
